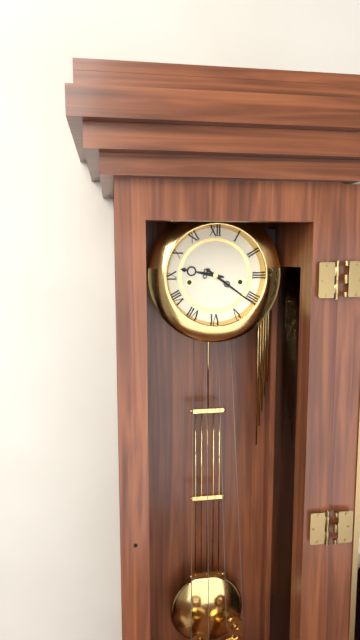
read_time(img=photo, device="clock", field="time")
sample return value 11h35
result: 9h21
